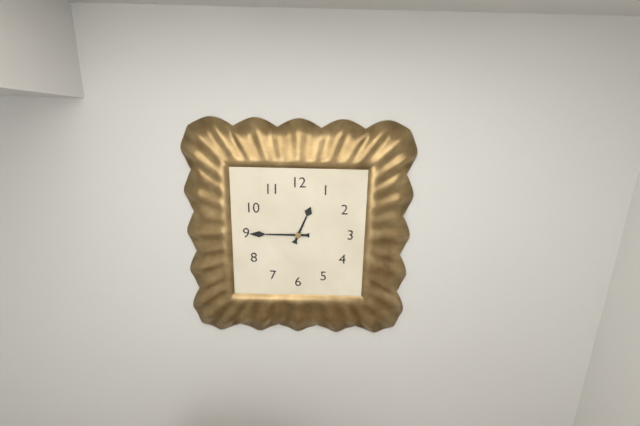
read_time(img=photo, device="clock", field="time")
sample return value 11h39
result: 12h45
